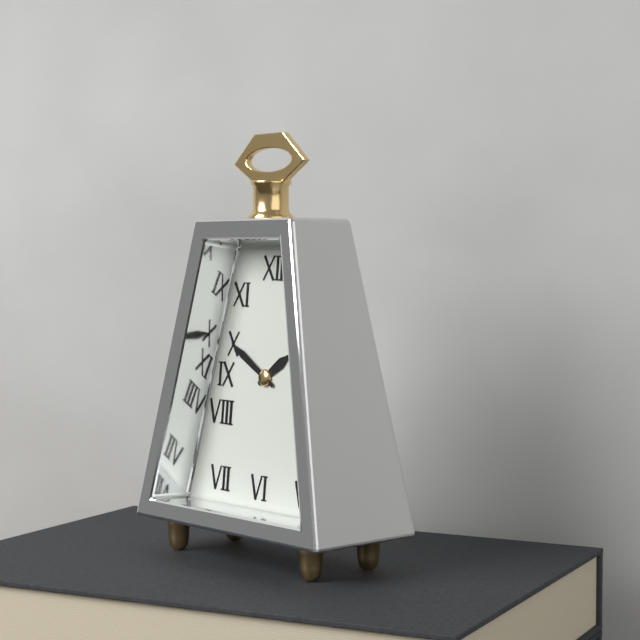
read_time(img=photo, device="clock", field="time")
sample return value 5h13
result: 1h50
